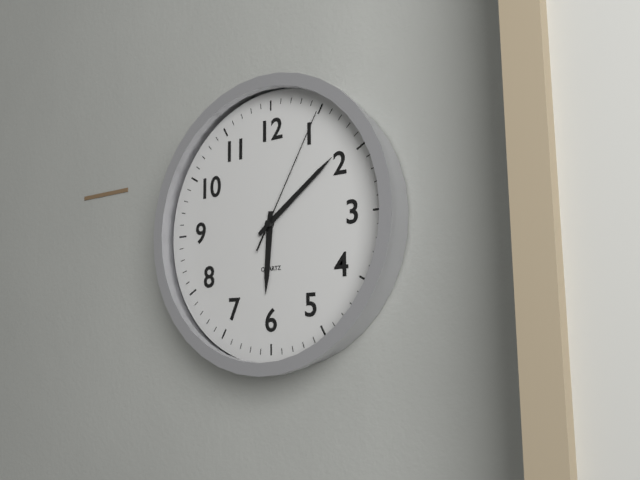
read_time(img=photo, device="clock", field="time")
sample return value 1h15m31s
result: 6h09m05s
